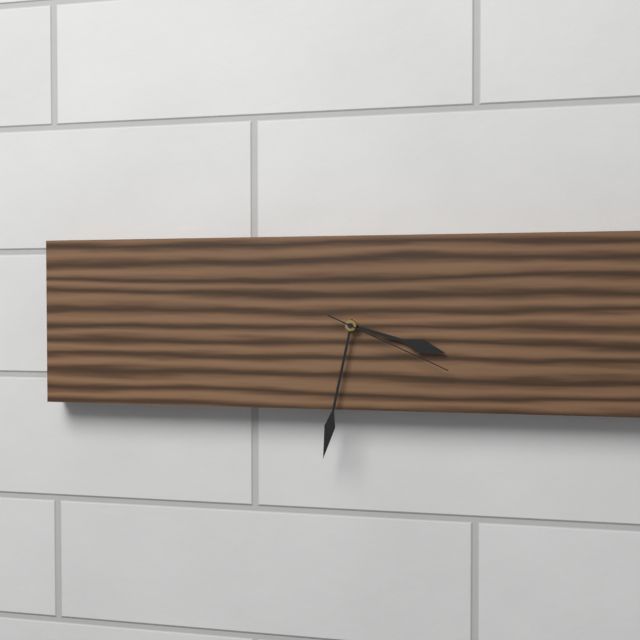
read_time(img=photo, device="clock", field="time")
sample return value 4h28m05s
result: 3h32m19s
